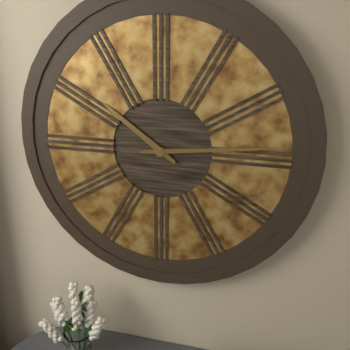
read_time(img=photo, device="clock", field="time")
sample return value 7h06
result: 10h14
